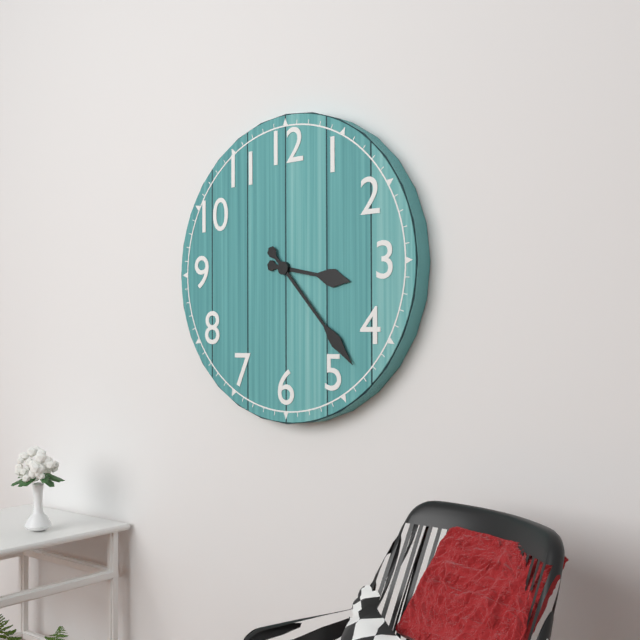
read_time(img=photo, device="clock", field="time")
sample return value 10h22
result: 3h23
